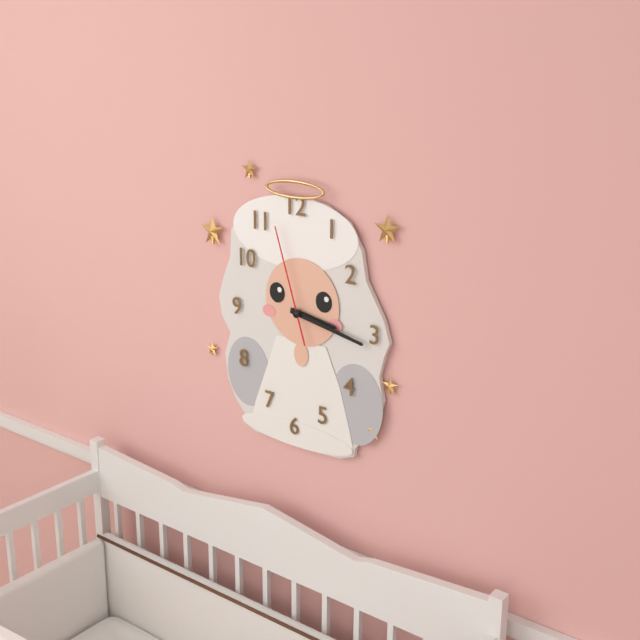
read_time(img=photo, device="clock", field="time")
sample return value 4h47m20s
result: 3h17m57s
